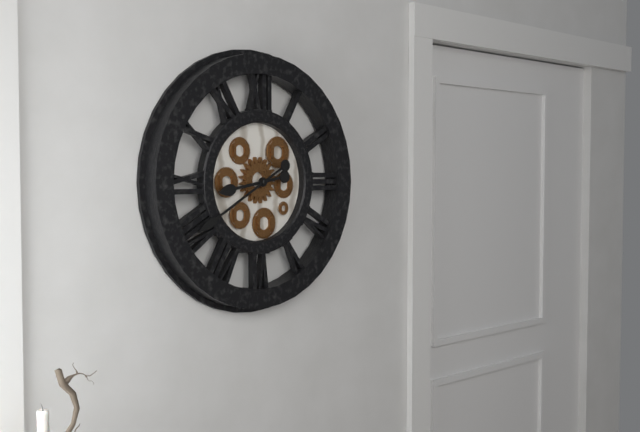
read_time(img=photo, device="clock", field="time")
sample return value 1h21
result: 8h40
